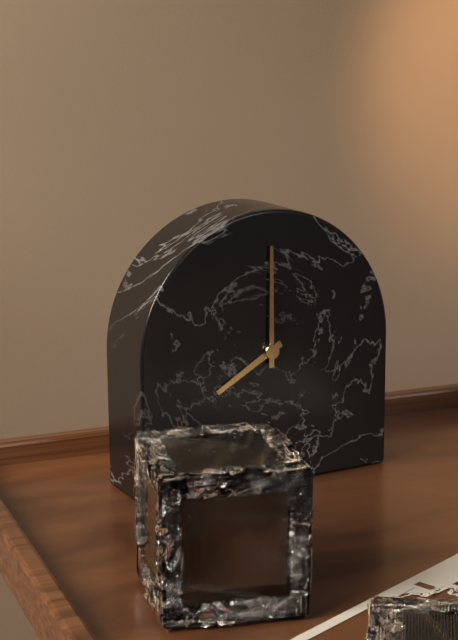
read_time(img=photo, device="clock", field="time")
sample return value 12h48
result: 8h00
